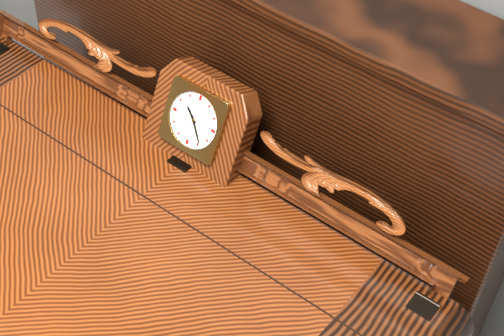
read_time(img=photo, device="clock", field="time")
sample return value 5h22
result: 10h24
